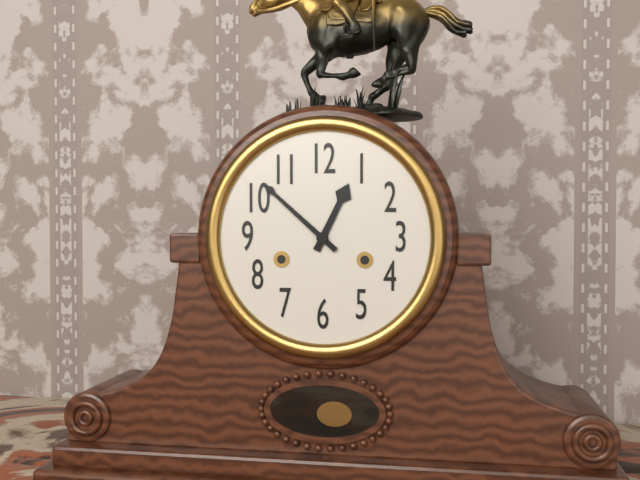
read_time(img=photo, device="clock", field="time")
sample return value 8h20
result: 12h52
